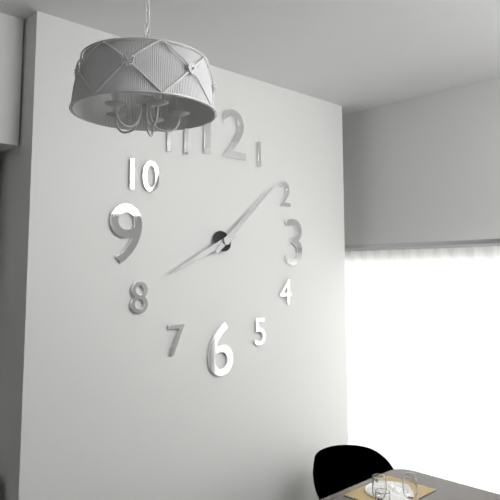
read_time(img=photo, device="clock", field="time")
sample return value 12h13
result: 8h08
